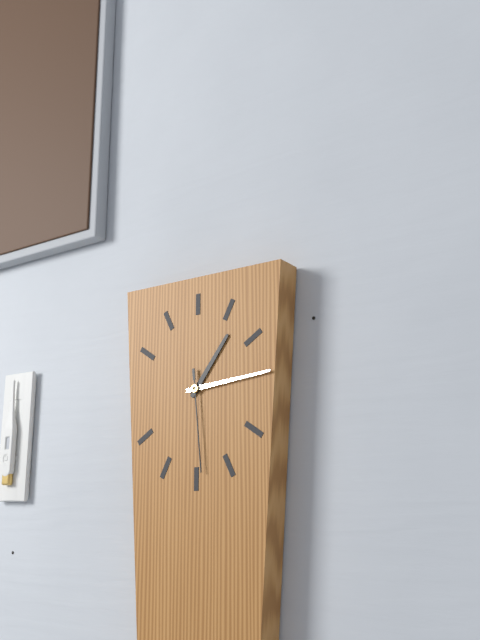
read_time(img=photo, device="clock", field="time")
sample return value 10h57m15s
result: 1h14m29s
